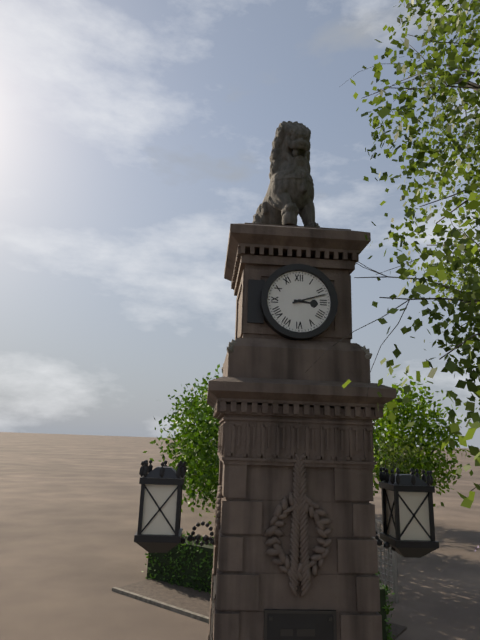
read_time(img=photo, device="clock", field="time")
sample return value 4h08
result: 3h12
